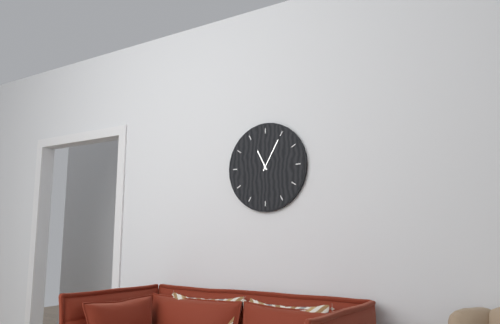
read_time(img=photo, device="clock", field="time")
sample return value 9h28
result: 11h05
